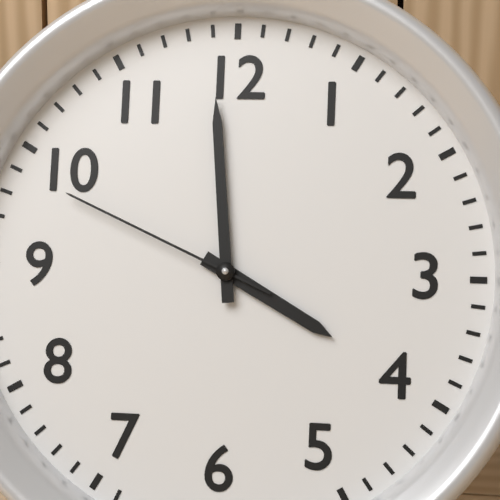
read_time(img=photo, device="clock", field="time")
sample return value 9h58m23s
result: 3h59m49s
